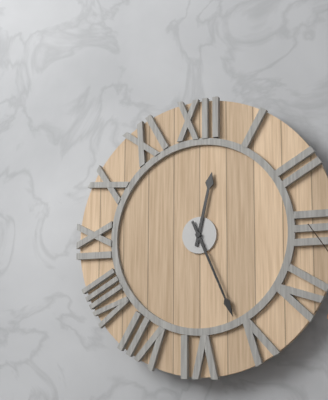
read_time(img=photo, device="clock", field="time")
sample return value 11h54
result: 12h26
